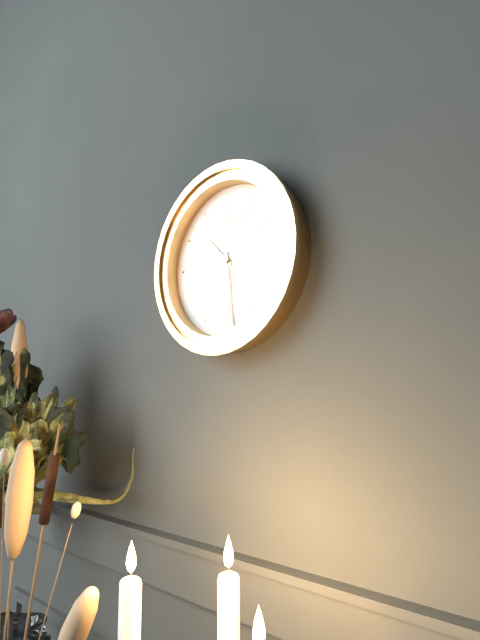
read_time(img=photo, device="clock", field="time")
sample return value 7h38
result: 10h29
